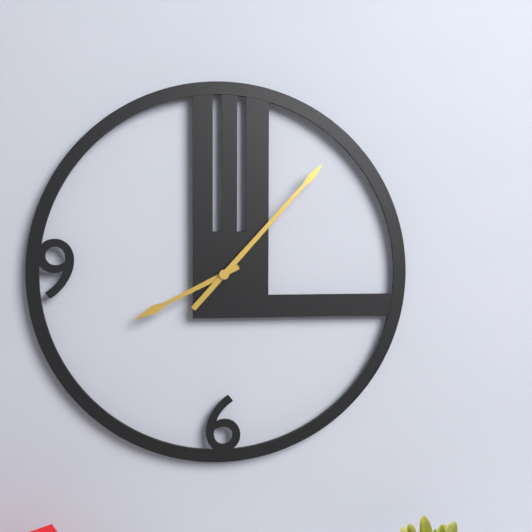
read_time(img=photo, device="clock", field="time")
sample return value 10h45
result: 8h07
